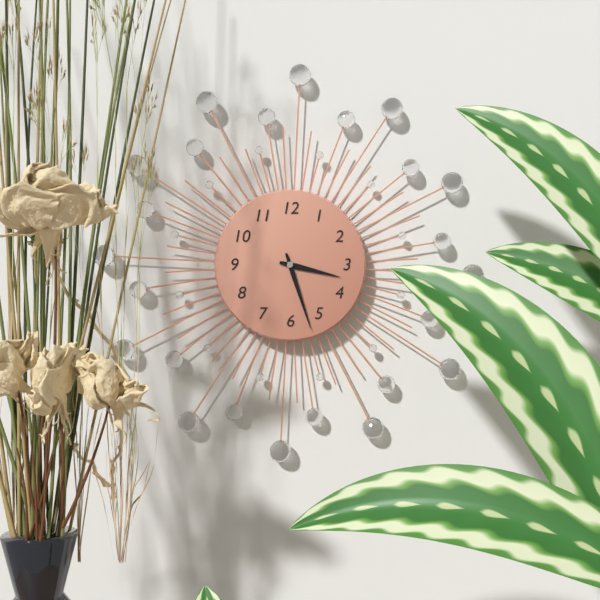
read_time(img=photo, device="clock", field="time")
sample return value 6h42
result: 3h27
